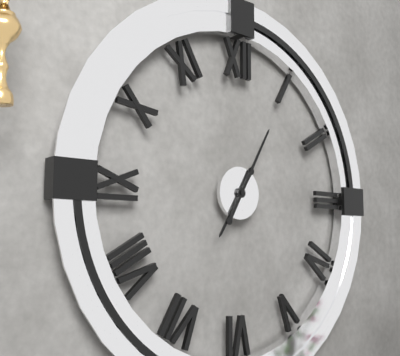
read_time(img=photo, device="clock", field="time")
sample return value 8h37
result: 7h05
